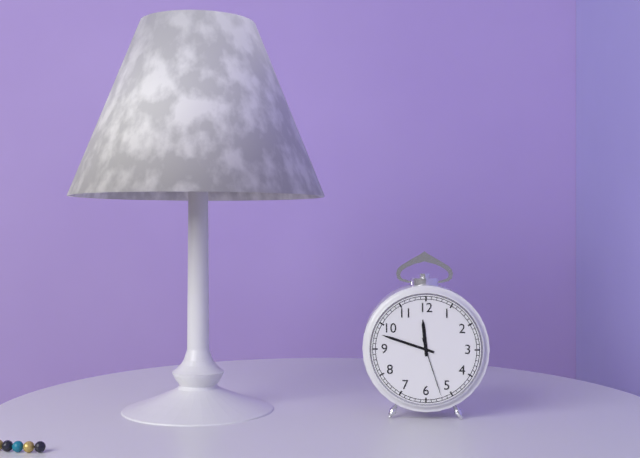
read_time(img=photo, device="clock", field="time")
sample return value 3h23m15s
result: 11h48m27s
